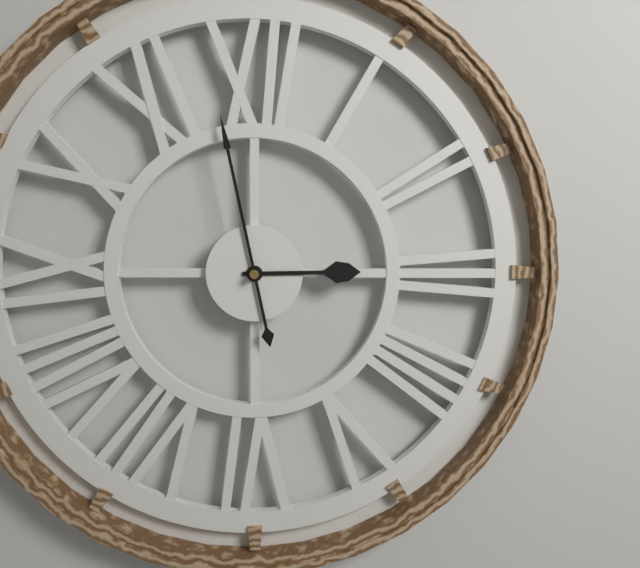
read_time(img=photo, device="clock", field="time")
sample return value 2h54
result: 2h58
